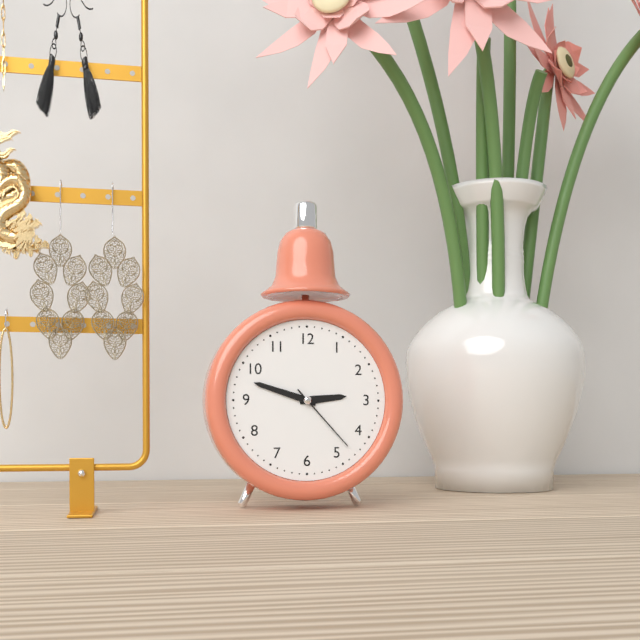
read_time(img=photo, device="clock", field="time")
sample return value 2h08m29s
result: 2h48m23s
